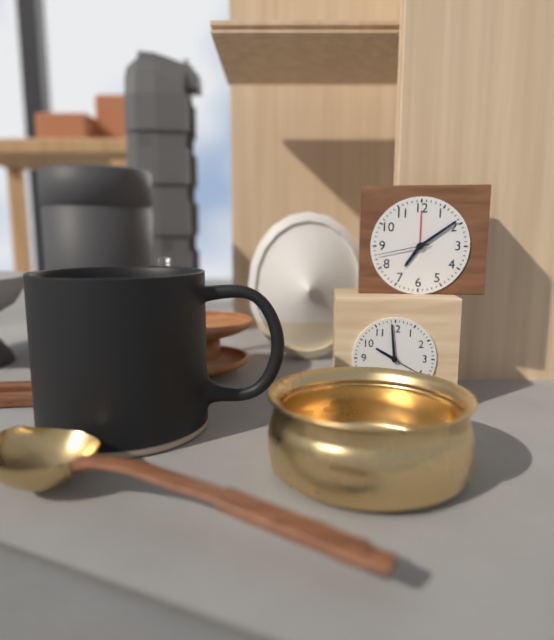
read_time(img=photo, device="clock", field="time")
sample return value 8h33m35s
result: 7h09m43s
